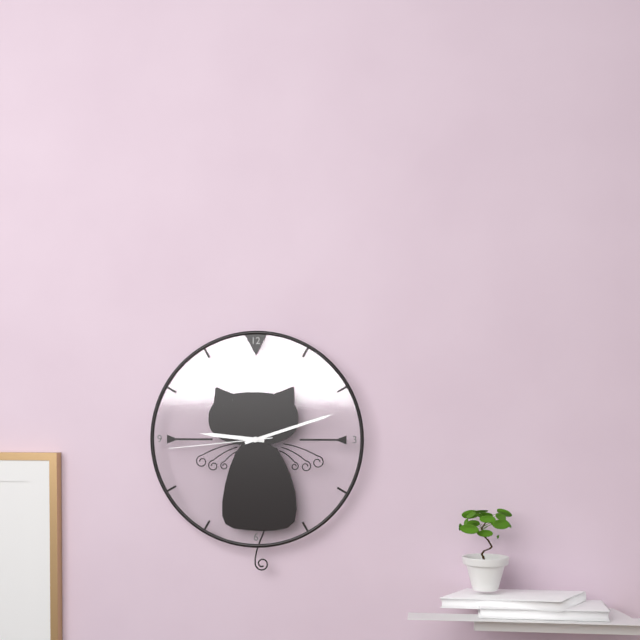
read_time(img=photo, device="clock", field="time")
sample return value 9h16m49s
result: 9h12m44s
